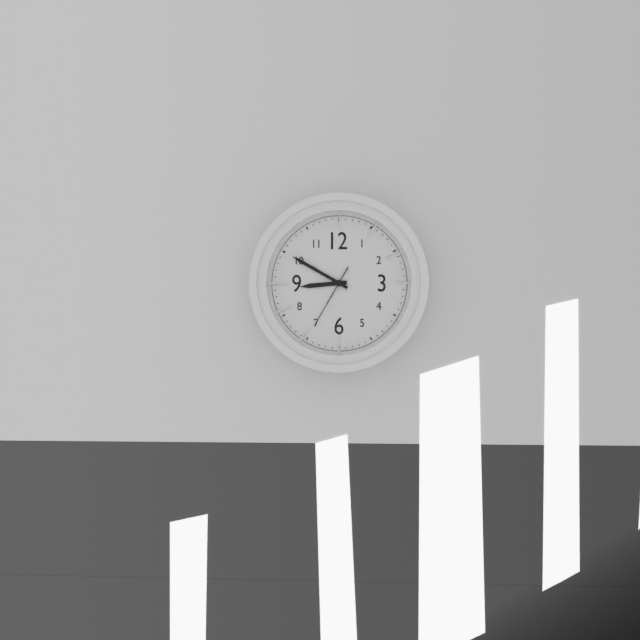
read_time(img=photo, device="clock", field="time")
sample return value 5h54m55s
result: 8h50m35s
